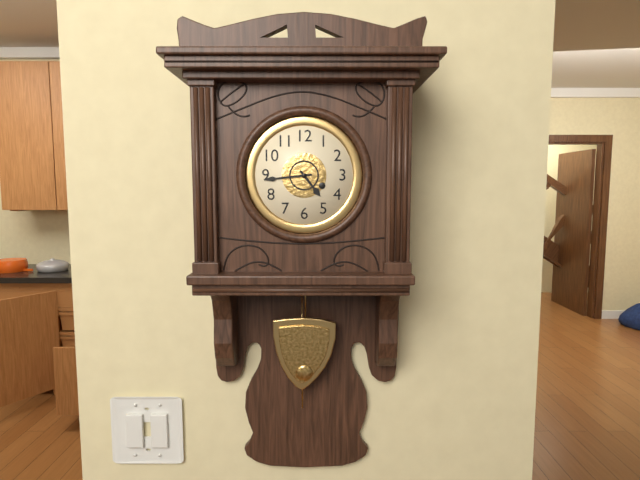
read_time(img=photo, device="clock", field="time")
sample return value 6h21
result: 4h44
